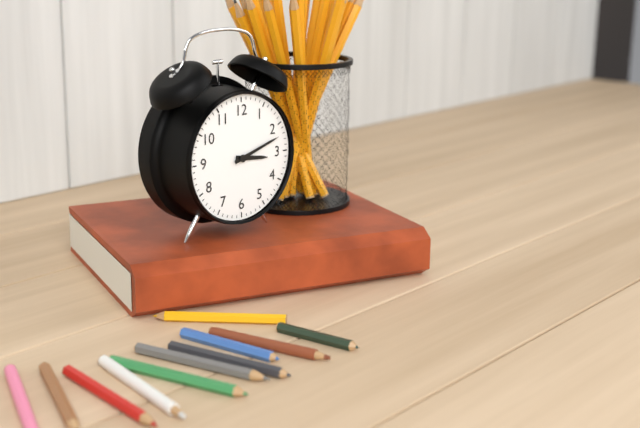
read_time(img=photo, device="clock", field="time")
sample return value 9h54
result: 3h12
